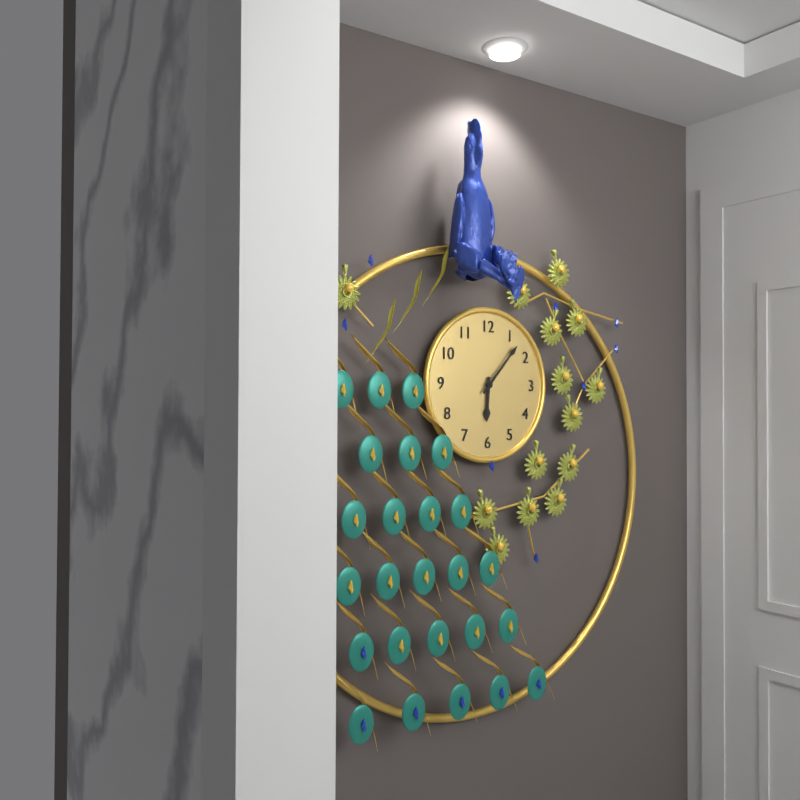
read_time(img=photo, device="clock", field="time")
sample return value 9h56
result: 6h07
